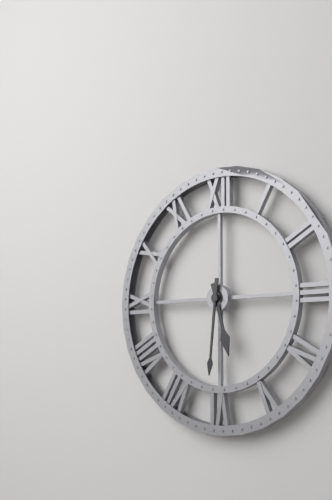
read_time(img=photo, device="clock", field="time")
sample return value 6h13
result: 5h31
